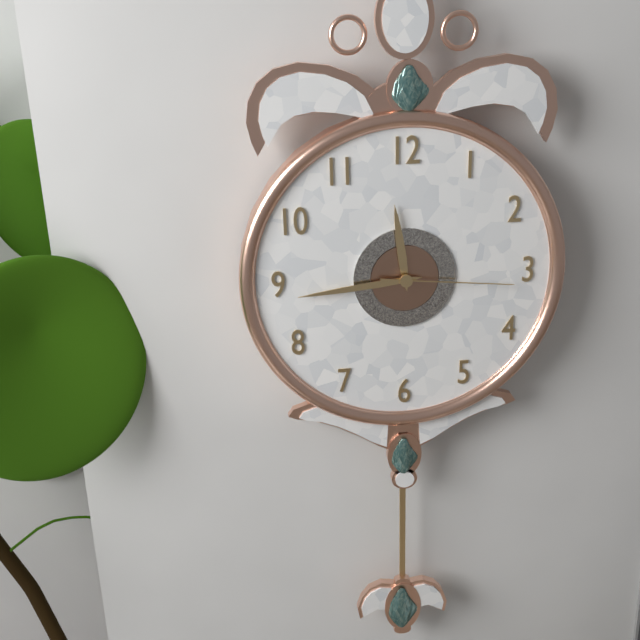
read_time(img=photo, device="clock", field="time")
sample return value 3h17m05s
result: 11h44m16s
